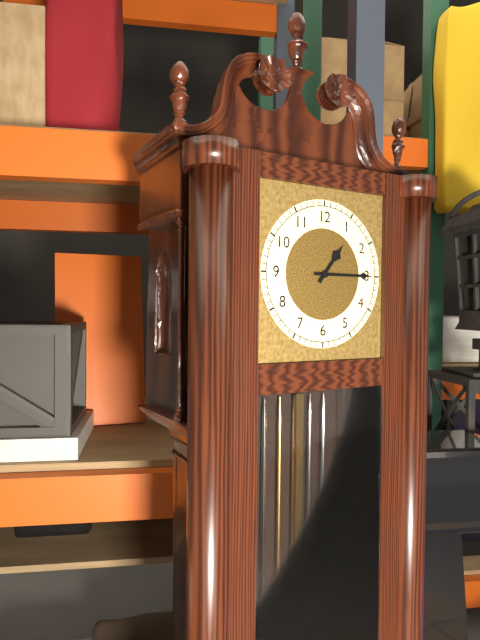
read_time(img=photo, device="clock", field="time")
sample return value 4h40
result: 1h15
